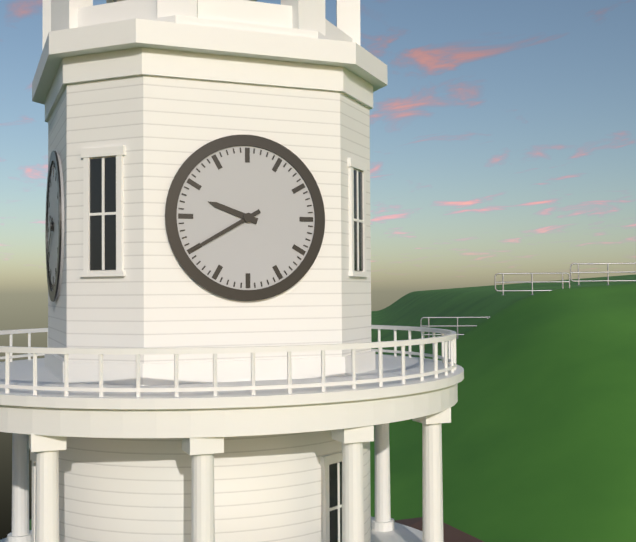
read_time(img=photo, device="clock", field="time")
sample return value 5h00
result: 9h40
